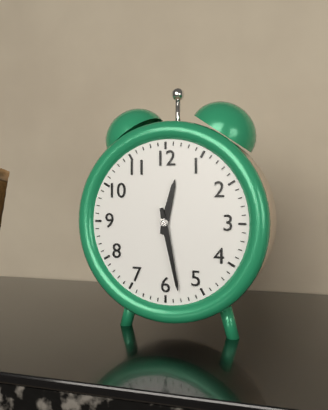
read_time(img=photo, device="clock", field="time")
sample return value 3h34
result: 12h28
